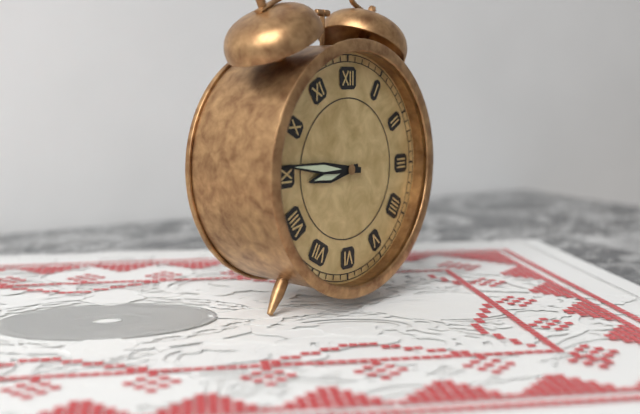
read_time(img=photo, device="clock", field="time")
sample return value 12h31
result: 8h46
